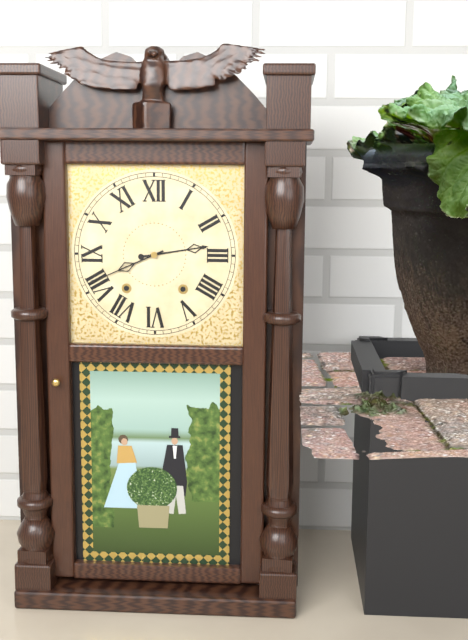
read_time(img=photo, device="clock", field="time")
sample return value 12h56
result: 2h41
